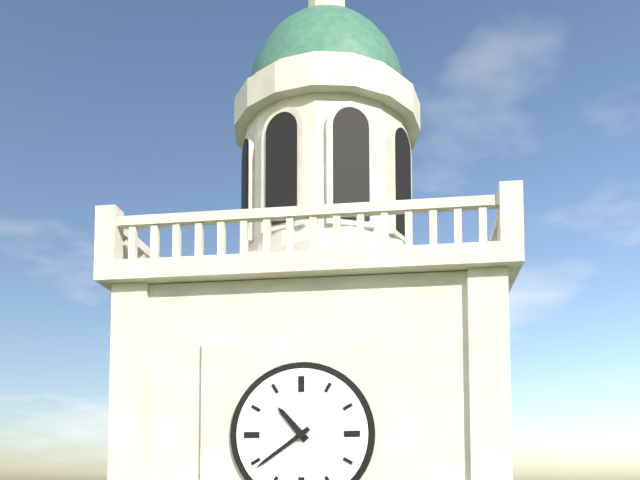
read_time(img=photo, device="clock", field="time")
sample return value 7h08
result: 10h39
